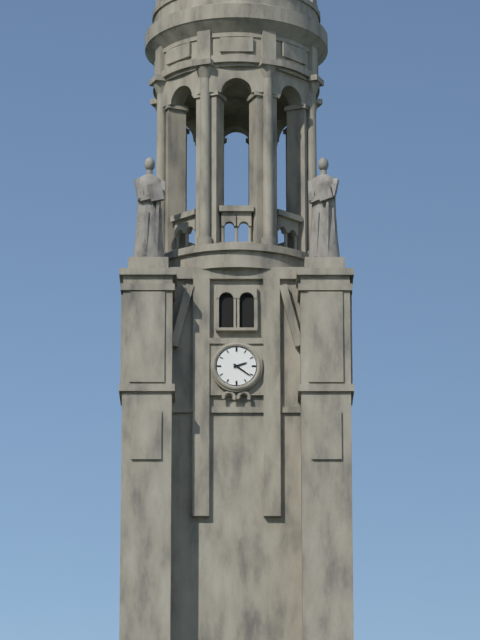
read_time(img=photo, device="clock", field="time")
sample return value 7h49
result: 2h21
